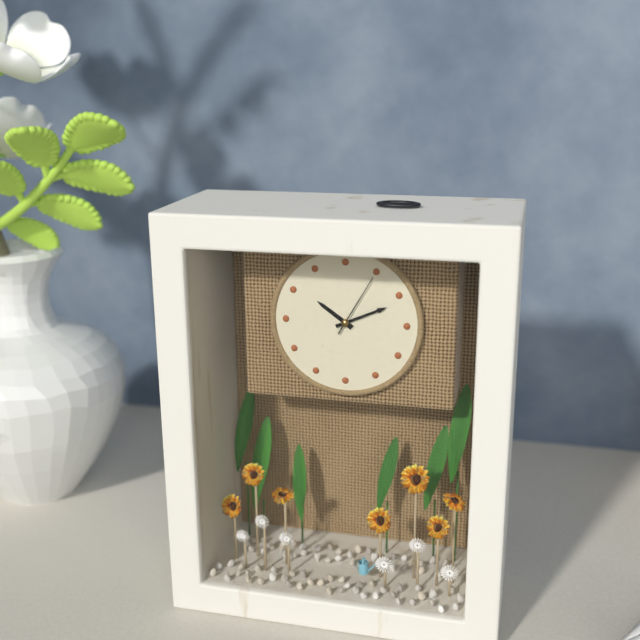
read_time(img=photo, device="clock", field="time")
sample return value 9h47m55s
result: 10h11m05s
